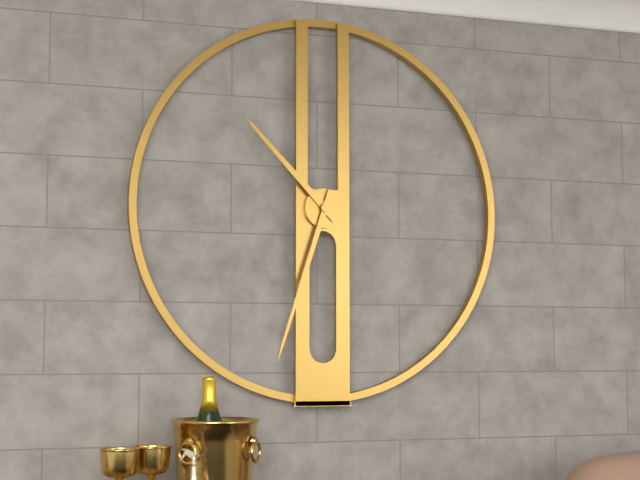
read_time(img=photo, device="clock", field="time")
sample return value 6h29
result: 10h33
